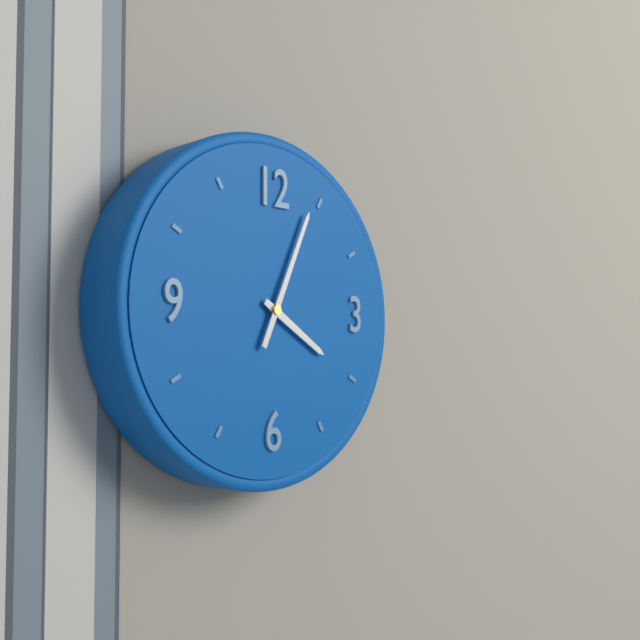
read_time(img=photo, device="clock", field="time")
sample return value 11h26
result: 4h04
